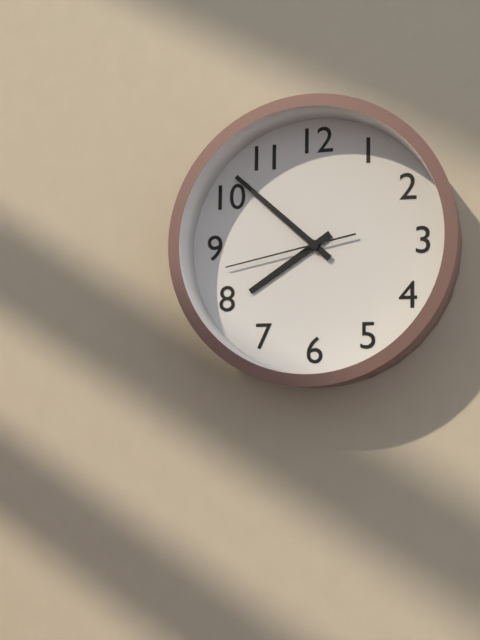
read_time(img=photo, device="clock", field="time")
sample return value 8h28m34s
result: 7h52m43s
